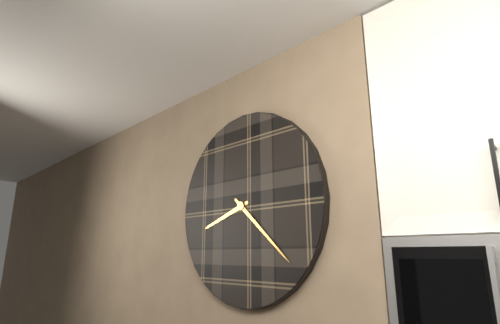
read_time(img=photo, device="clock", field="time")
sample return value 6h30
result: 8h22
